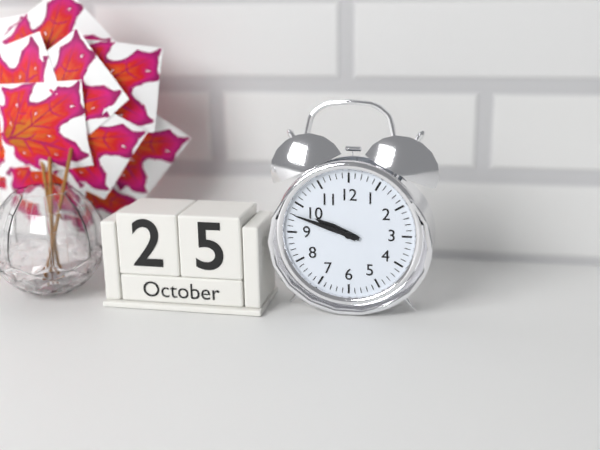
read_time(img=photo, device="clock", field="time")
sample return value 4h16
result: 9h48
